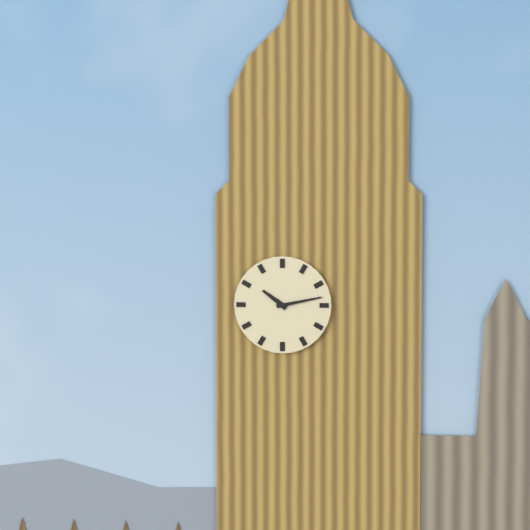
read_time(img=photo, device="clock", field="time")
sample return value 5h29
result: 10h13
